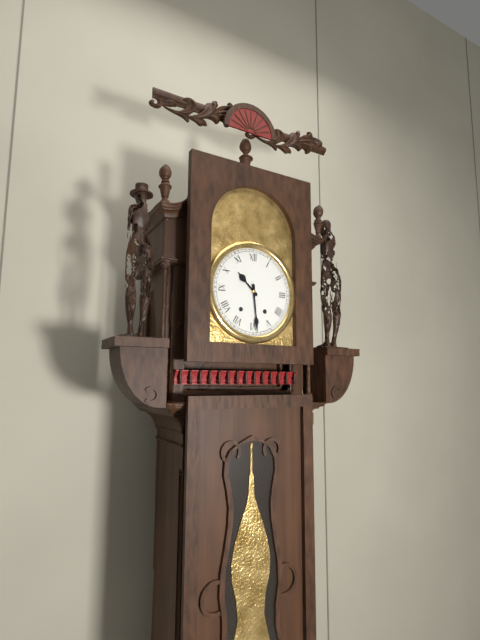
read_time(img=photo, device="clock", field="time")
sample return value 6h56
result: 10h29
